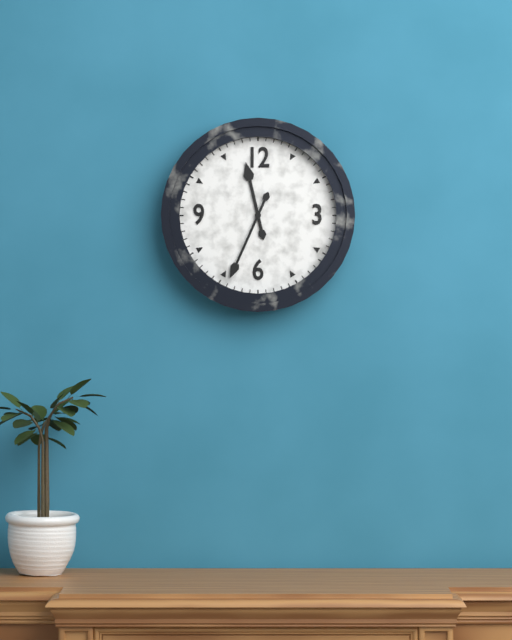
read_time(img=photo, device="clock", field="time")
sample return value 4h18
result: 11h34
